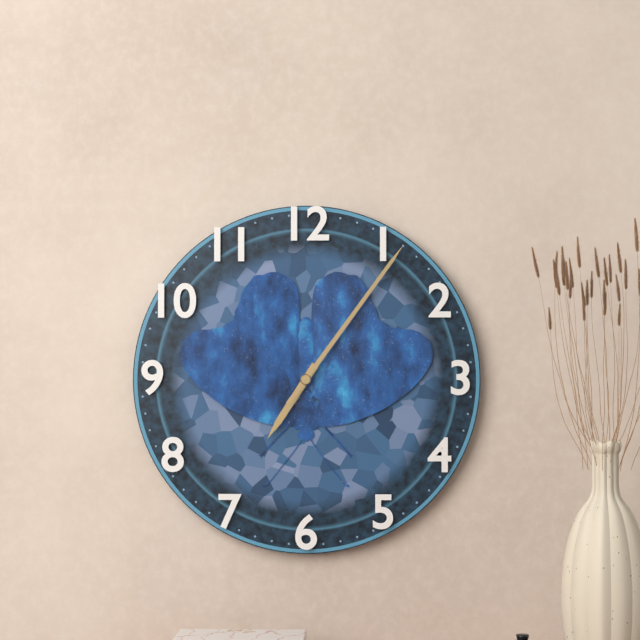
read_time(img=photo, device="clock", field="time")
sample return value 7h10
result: 7h06
